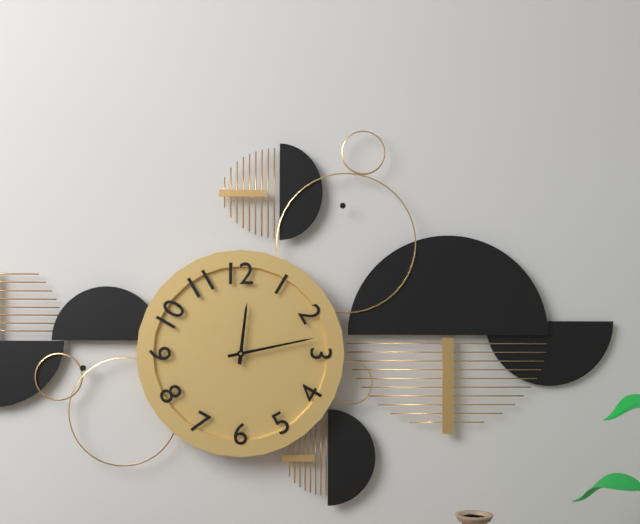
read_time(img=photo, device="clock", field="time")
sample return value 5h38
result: 12h13
